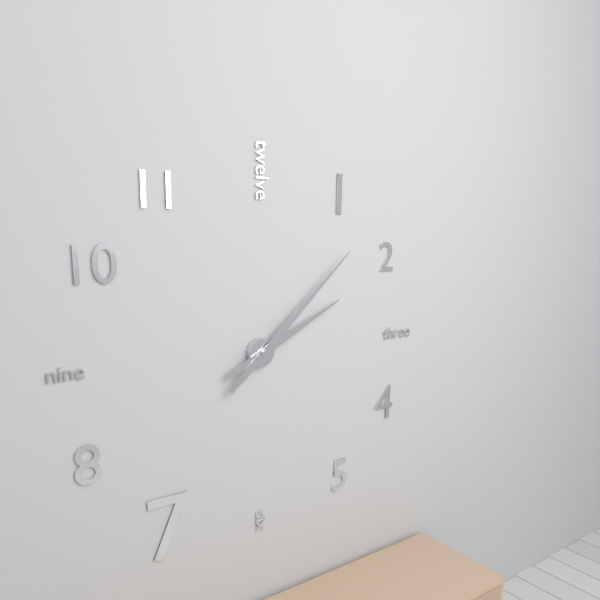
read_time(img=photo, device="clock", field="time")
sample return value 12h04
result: 2h08
